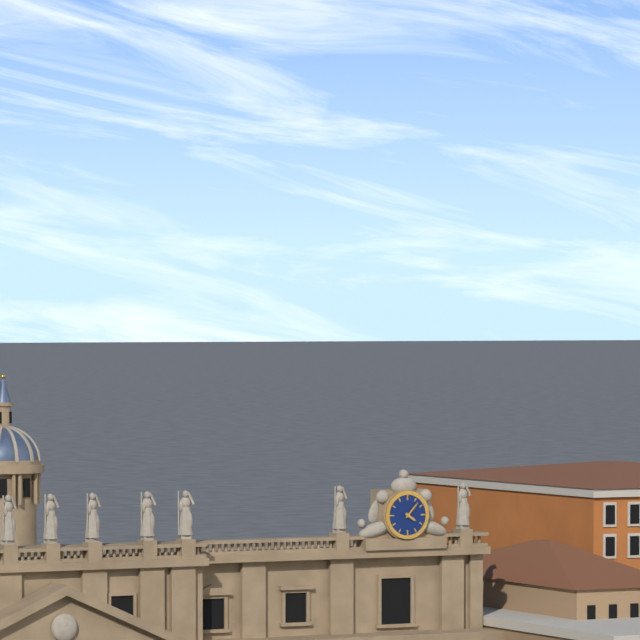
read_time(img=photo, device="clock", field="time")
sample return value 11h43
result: 4h07
